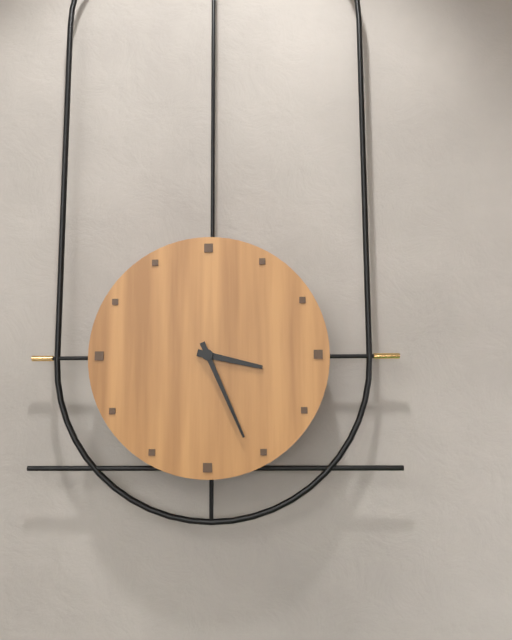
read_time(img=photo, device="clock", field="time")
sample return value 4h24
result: 3h26
